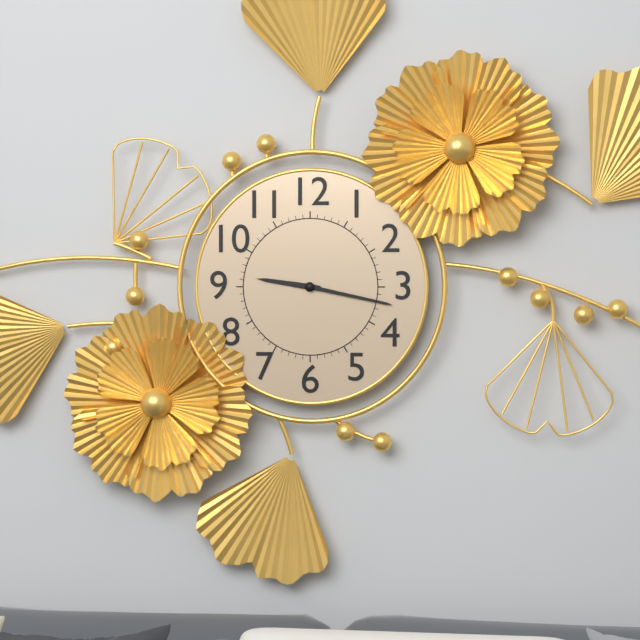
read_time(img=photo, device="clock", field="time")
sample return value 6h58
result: 9h17
